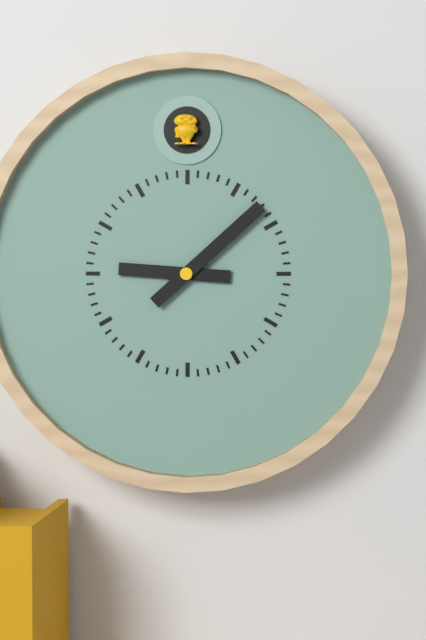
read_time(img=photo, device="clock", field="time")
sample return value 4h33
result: 9h08
